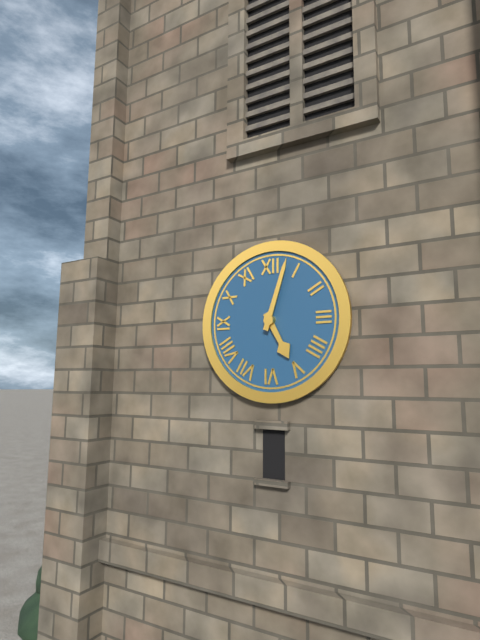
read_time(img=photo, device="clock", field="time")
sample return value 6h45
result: 5h03
